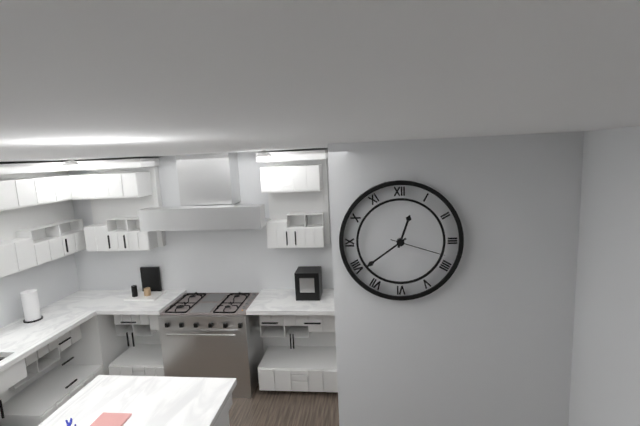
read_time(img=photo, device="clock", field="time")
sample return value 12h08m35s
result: 12h39m18s
